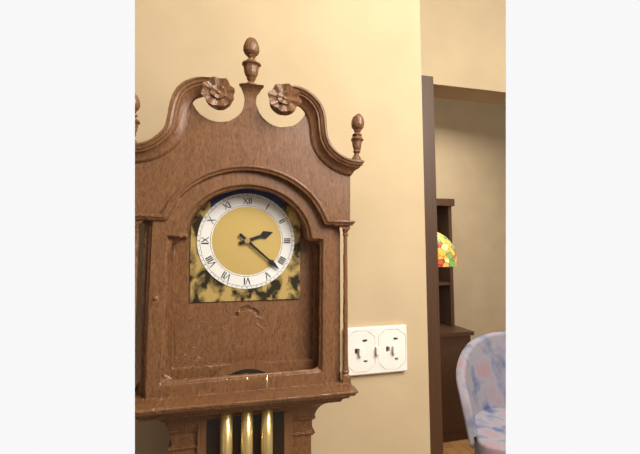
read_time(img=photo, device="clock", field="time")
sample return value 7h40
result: 2h22
